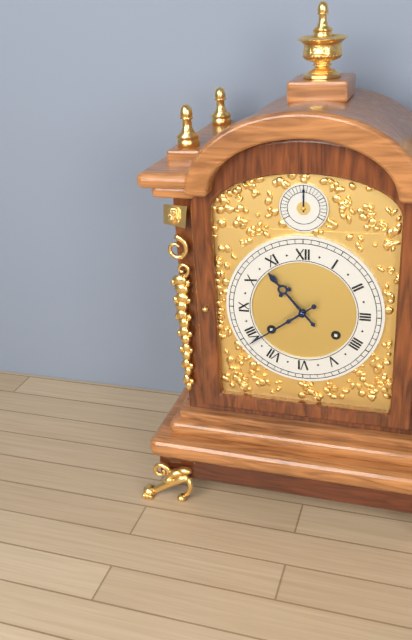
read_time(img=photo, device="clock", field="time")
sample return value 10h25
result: 10h39
